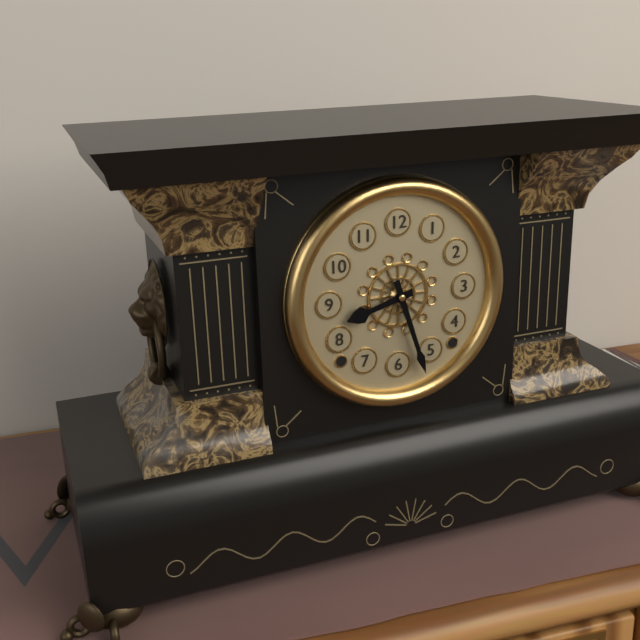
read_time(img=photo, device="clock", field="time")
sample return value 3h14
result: 8h27
